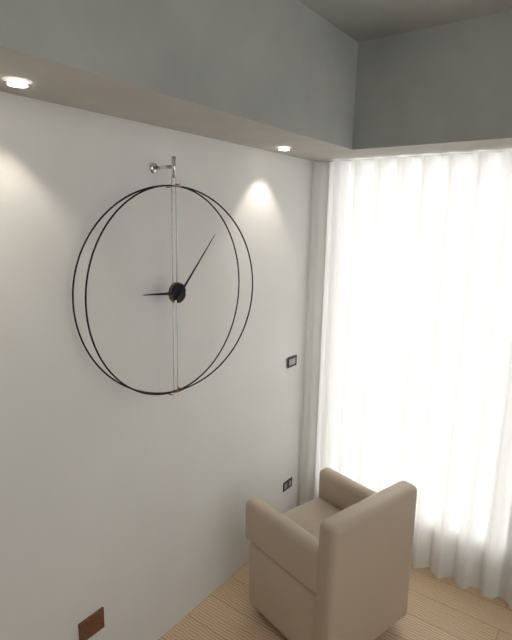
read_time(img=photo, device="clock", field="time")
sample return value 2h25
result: 9h07
